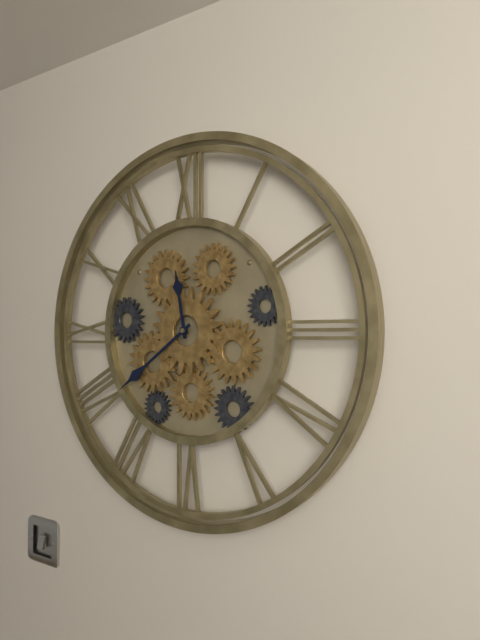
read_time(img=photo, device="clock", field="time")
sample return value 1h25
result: 11h39
